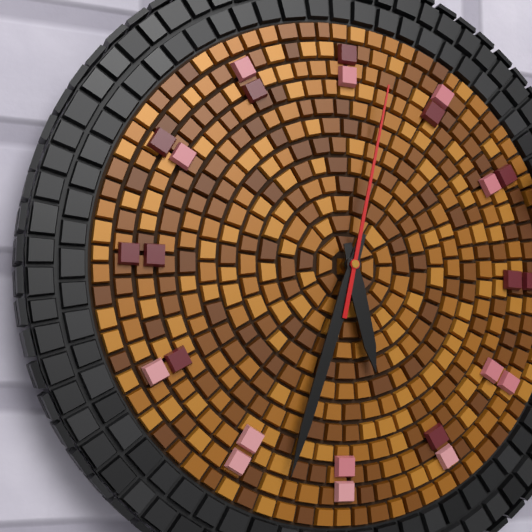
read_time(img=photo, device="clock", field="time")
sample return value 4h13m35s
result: 5h33m02s
